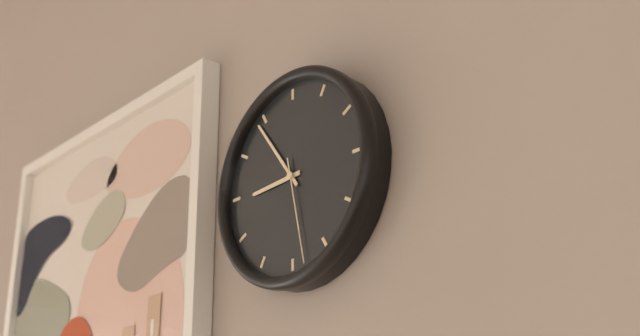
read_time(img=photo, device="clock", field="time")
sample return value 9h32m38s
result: 8h54m28s
